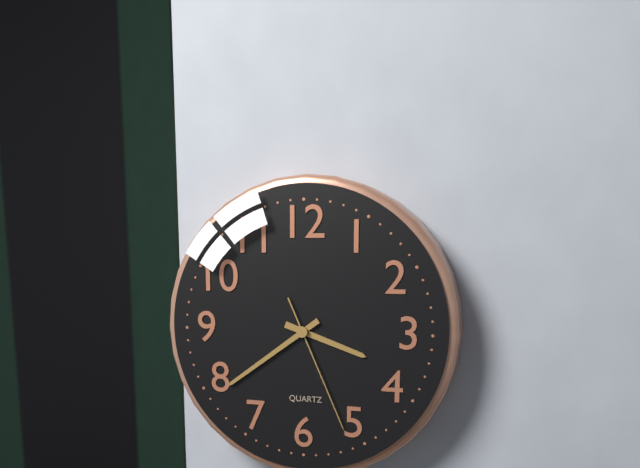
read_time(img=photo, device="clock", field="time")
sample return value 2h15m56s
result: 3h39m26s
